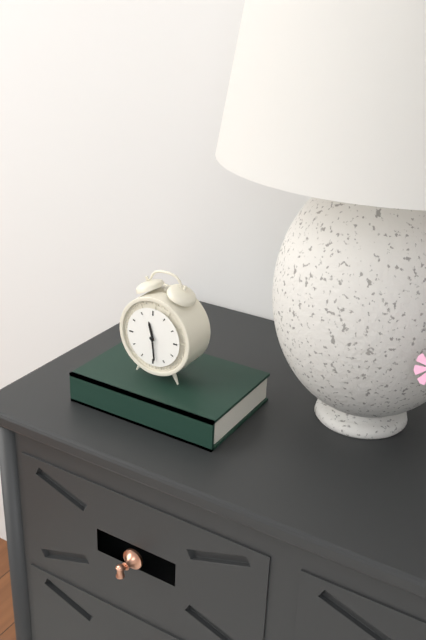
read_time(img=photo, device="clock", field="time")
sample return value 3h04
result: 11h29
